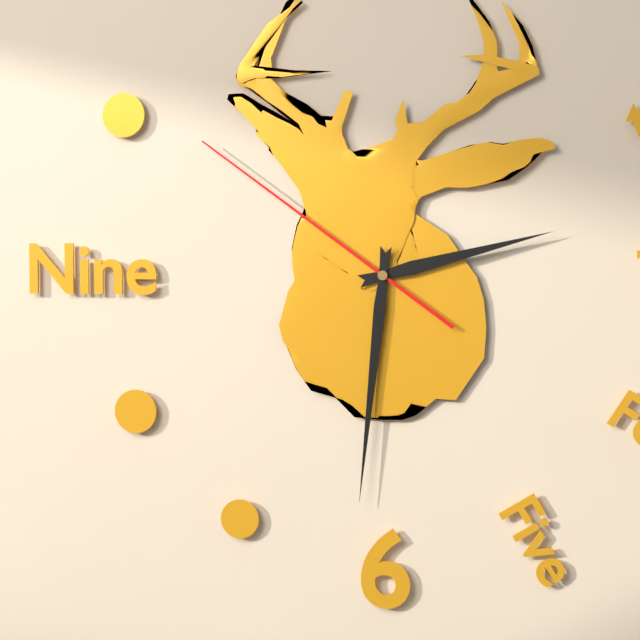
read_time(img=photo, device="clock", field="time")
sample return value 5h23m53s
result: 2h31m51s
